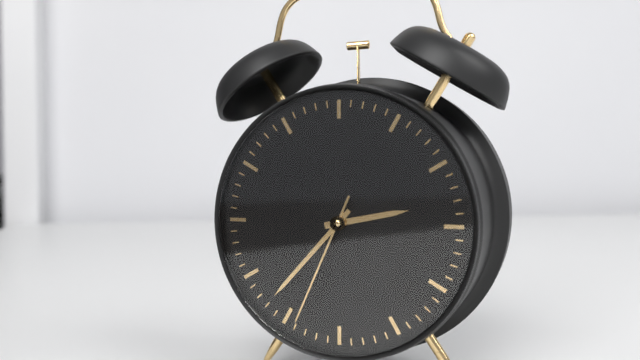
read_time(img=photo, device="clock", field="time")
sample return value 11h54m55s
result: 2h37m34s
